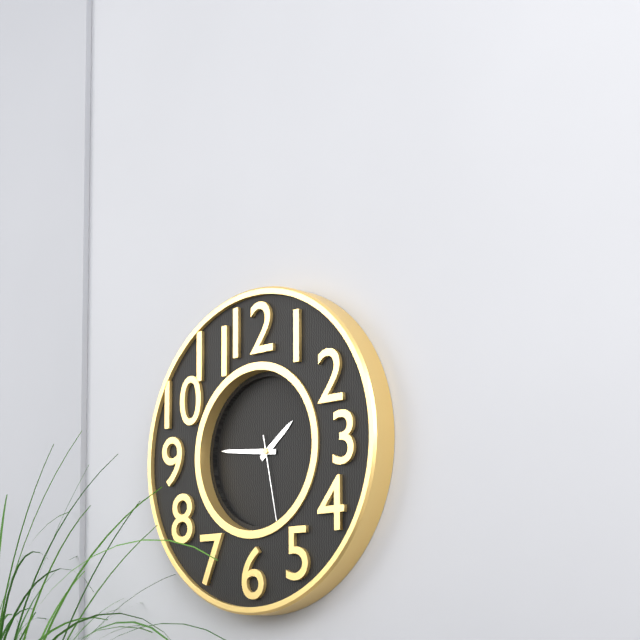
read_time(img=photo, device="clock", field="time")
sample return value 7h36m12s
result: 1h46m28s
